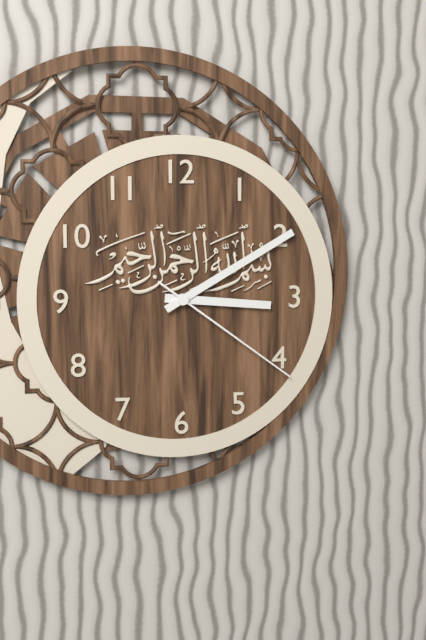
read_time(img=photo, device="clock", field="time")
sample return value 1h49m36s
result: 3h10m21s
